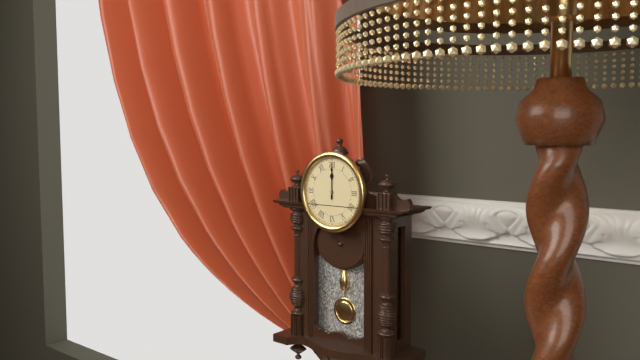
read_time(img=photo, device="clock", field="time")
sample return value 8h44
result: 12h00
